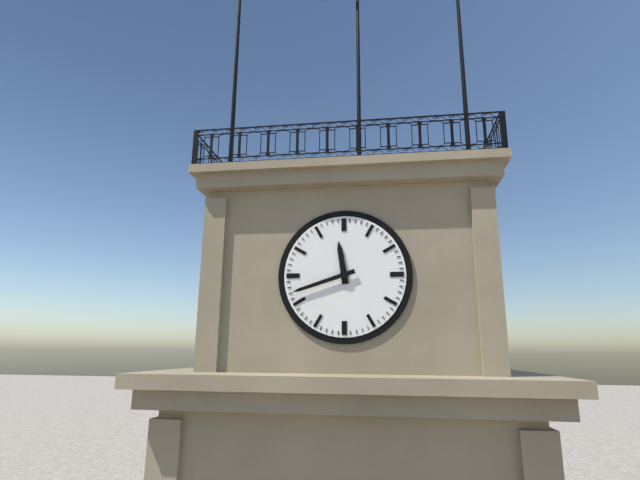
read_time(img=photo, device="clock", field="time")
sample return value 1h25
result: 11h42
